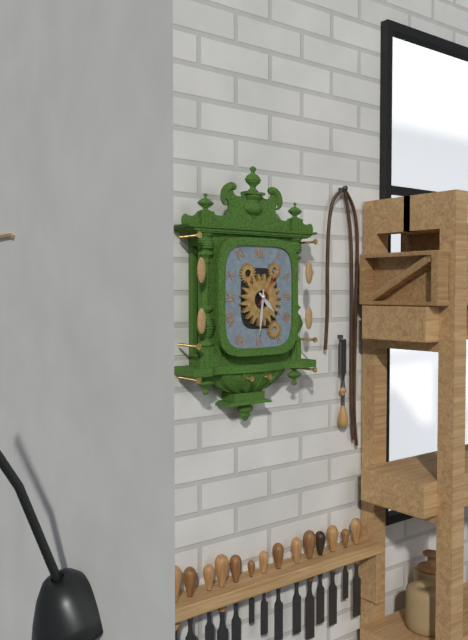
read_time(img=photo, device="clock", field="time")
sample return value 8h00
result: 4h31
